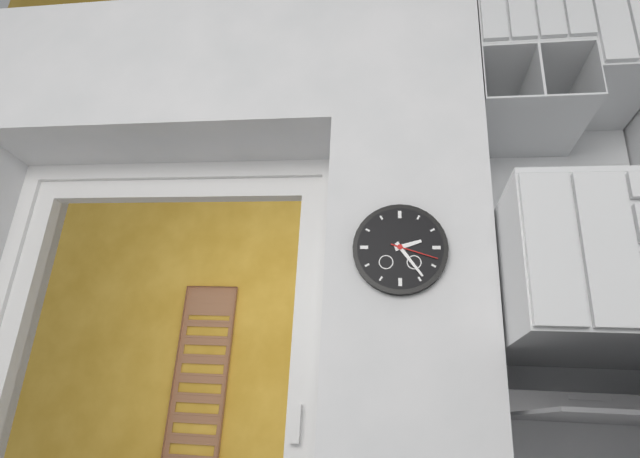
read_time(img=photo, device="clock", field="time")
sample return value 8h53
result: 2h24
